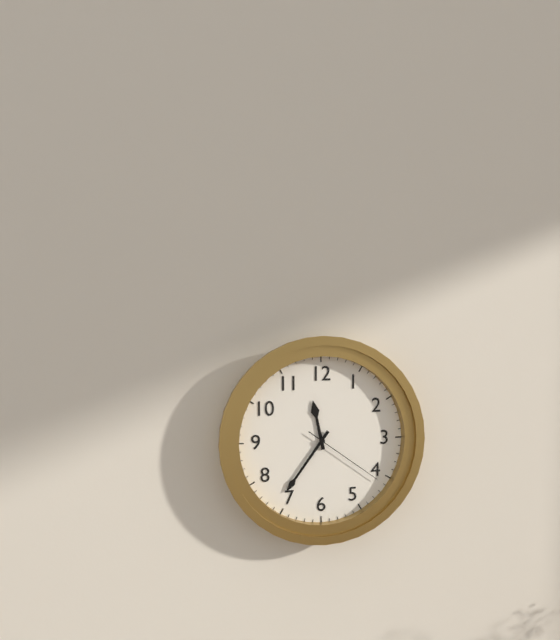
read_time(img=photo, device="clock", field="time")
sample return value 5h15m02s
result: 11h36m21s
